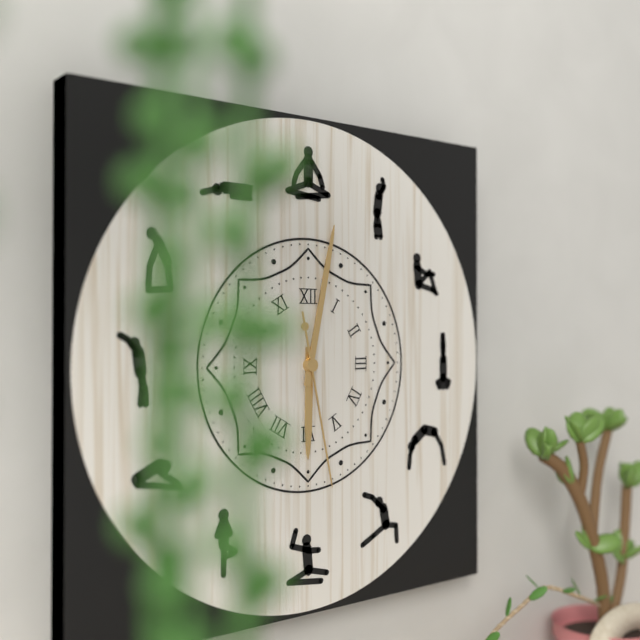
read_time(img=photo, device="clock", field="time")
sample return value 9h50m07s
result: 6h02m28s
